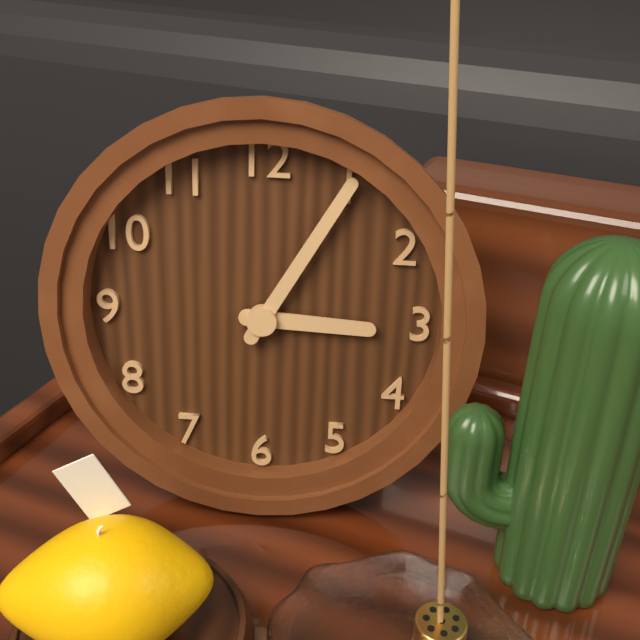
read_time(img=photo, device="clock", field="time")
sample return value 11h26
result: 3h05
